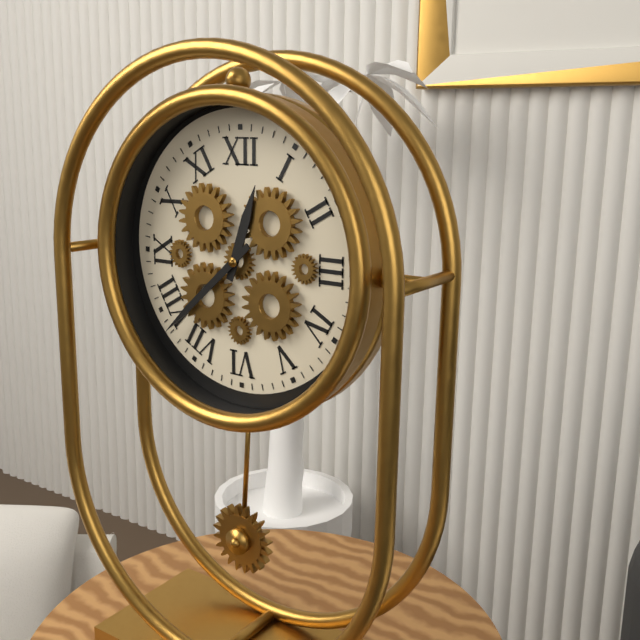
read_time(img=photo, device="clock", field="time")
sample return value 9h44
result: 12h38
